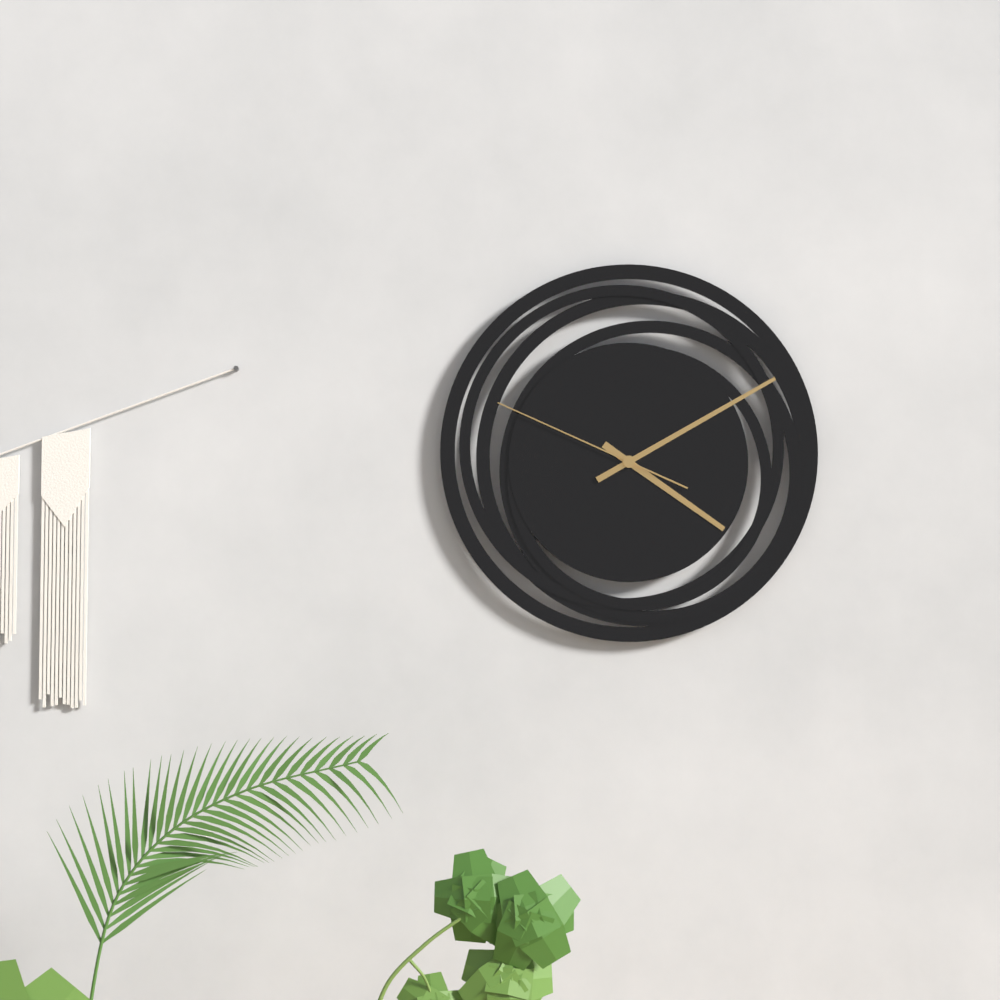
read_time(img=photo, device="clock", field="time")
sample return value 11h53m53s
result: 4h10m49s
